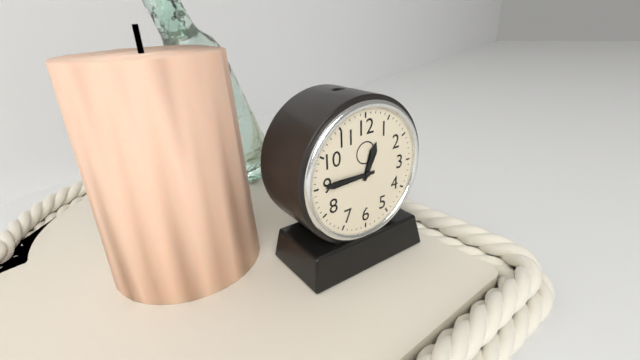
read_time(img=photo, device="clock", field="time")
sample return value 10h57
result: 12h45
